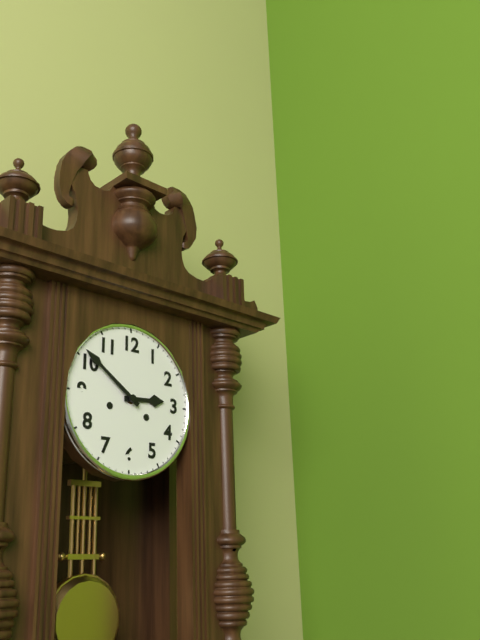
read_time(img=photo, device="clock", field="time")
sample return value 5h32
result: 2h51
